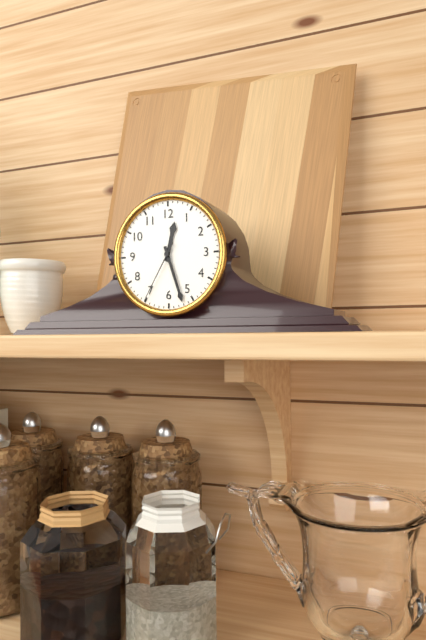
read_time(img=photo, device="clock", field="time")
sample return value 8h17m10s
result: 12h27m35s
